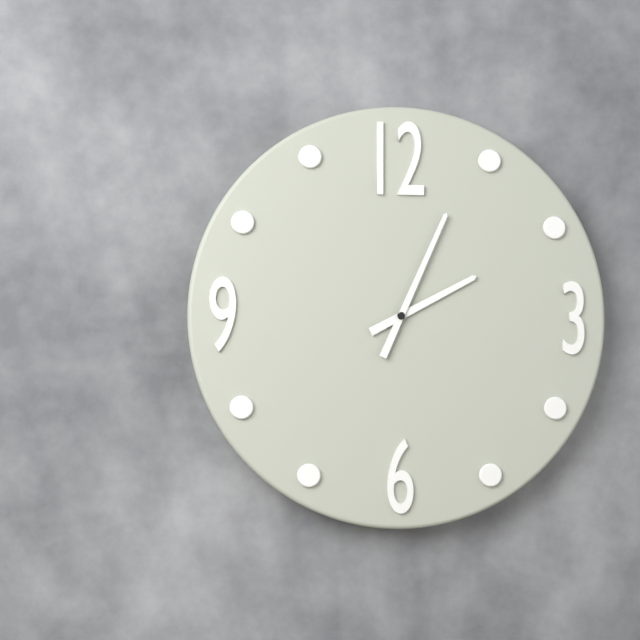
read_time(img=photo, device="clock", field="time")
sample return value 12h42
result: 2h04
